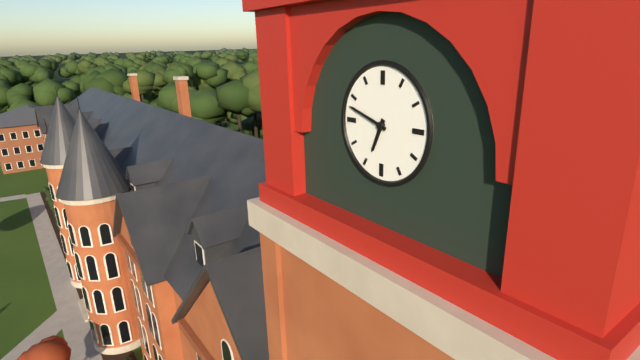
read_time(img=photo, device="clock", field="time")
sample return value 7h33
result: 6h48
